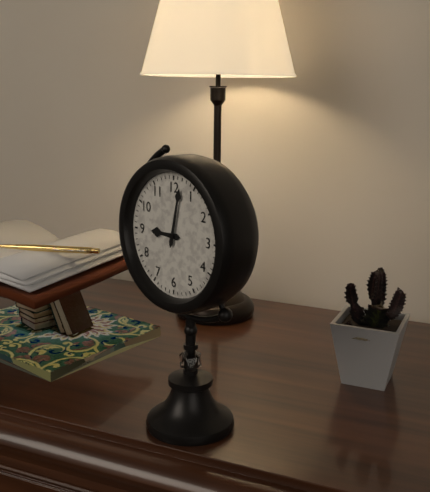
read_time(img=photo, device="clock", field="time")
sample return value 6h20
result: 9h02
